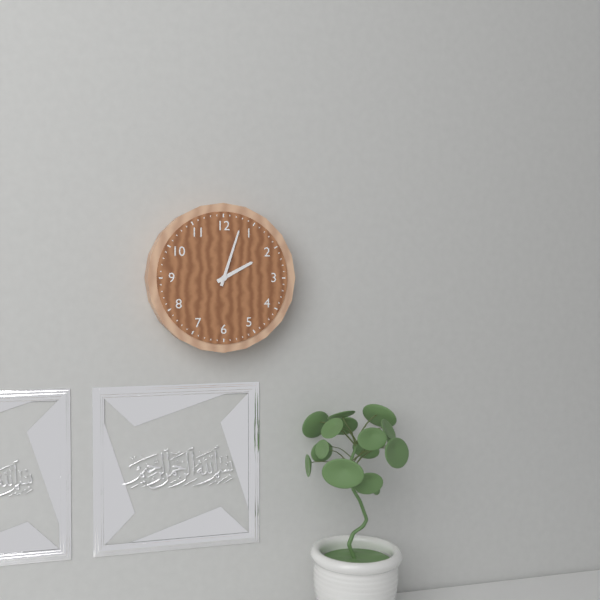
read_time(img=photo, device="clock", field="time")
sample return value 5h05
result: 2h03
